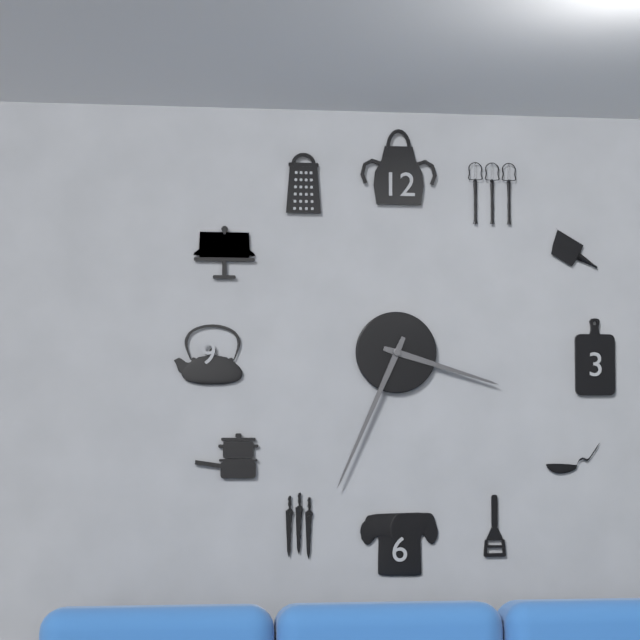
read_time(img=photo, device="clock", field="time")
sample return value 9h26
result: 3h34
